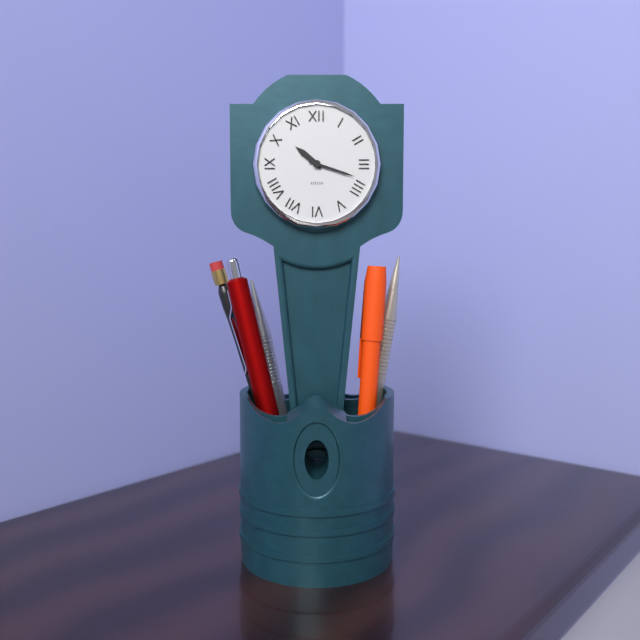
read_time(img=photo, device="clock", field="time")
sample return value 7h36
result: 10h18
